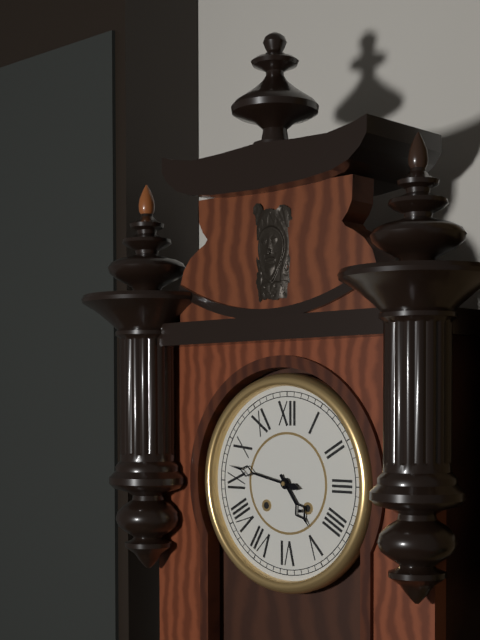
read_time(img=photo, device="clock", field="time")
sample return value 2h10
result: 4h47
